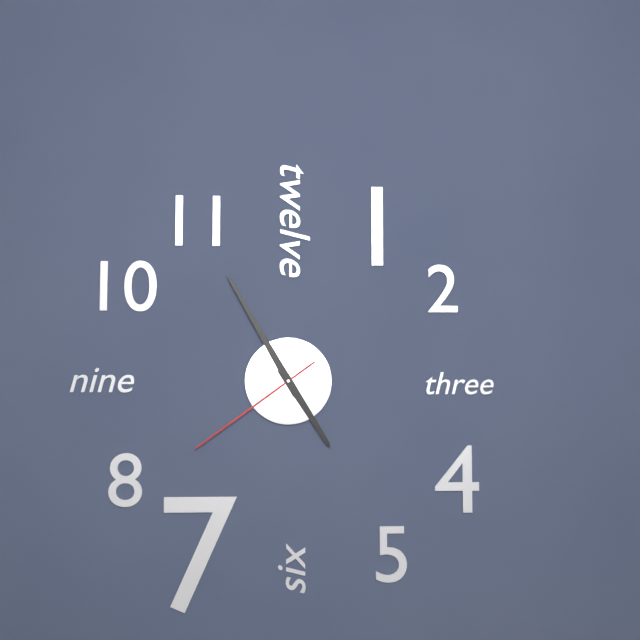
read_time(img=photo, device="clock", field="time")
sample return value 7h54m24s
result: 4h55m39s
